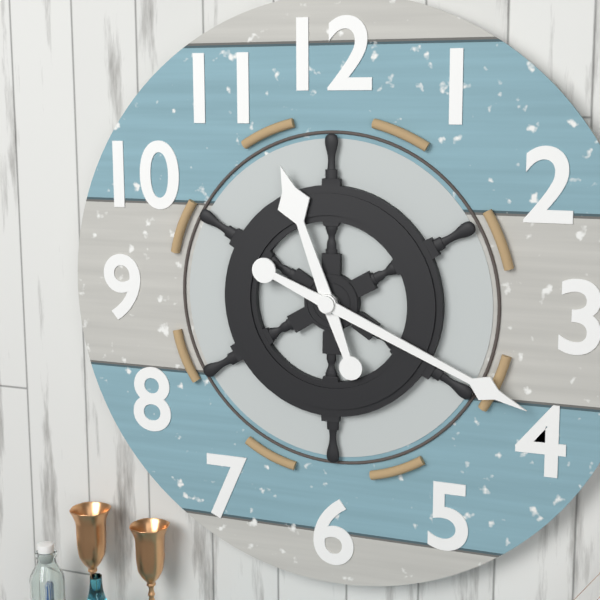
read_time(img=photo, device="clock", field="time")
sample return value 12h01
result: 11h19
